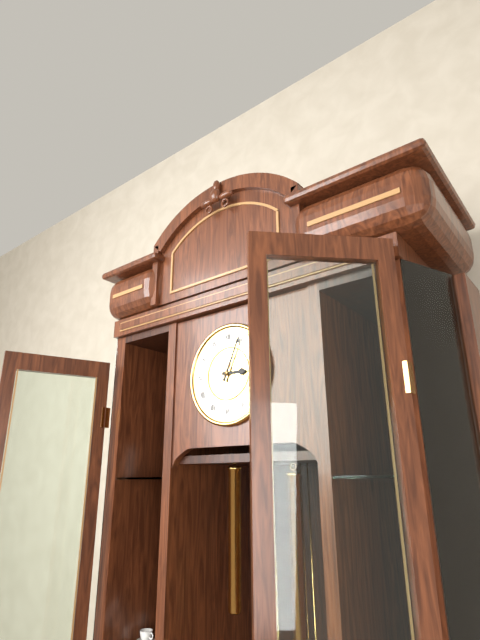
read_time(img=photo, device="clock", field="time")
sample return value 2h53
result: 3h04
